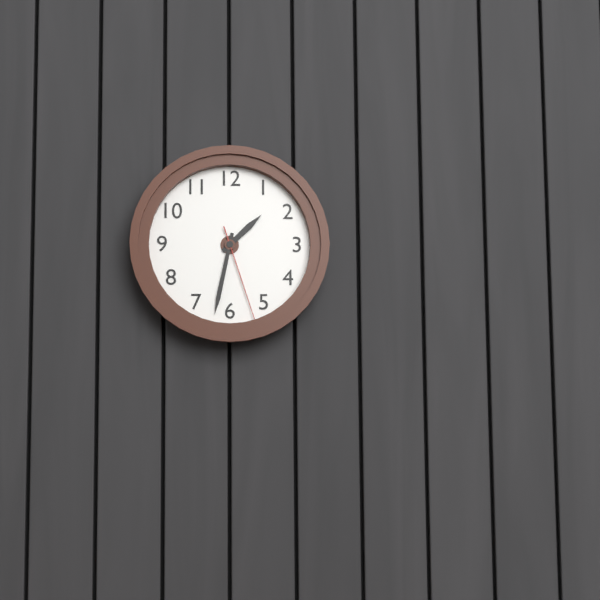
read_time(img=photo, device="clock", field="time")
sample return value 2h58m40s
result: 1h32m27s
